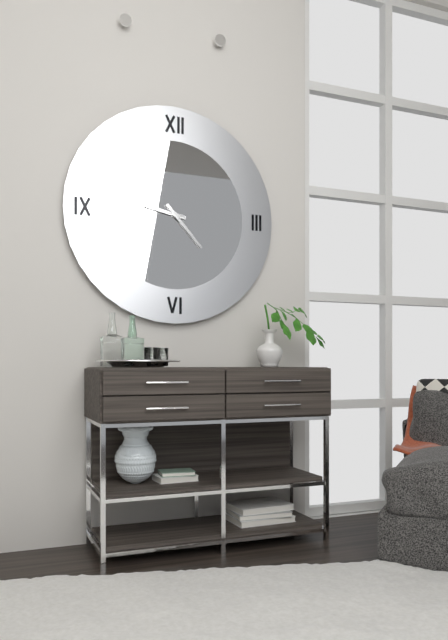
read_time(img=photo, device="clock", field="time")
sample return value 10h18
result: 9h23
